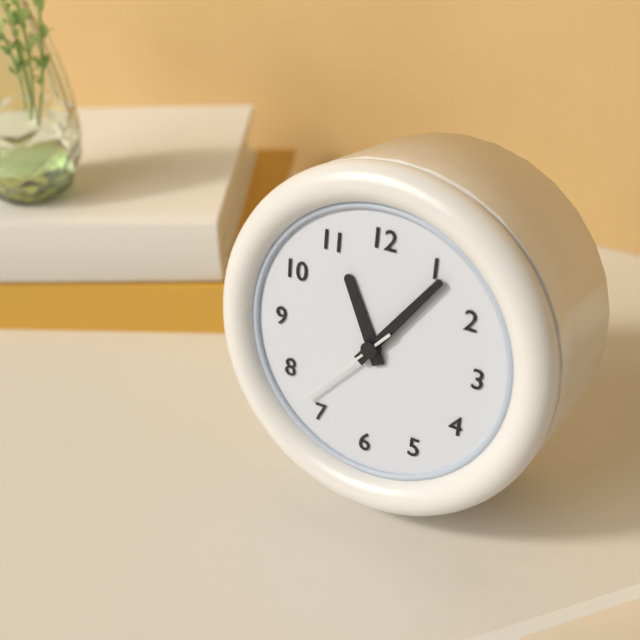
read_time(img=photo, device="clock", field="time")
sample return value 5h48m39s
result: 11h06m37s
